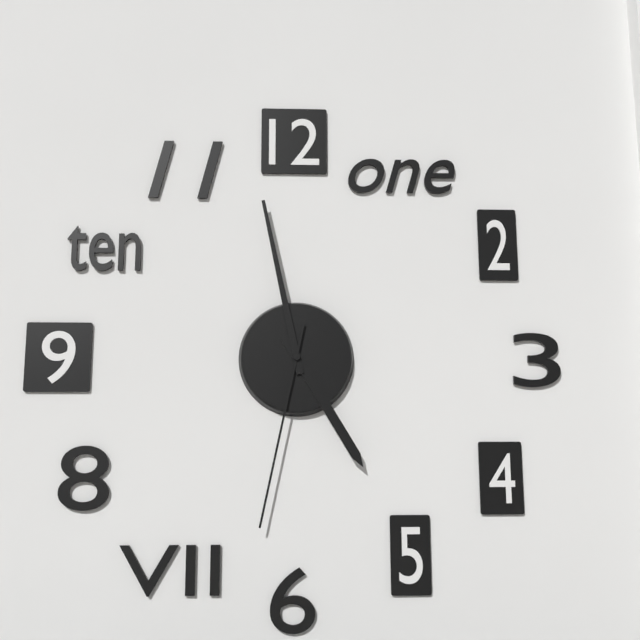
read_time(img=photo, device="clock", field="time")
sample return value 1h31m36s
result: 4h58m32s
